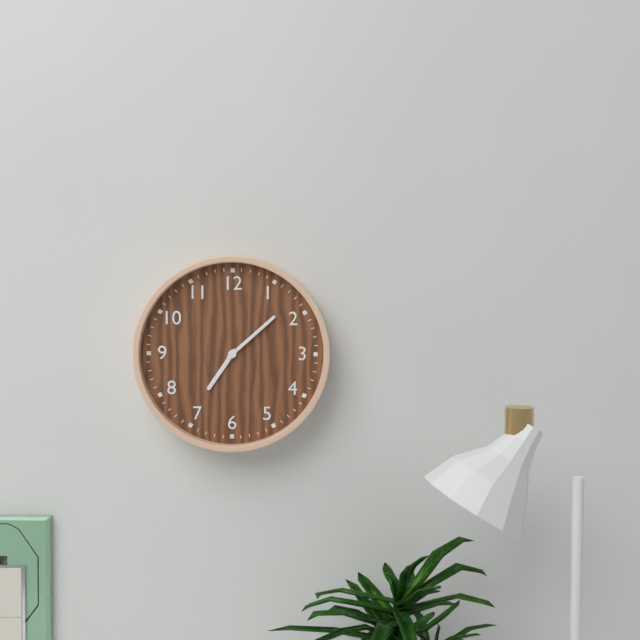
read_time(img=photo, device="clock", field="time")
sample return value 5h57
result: 7h08
